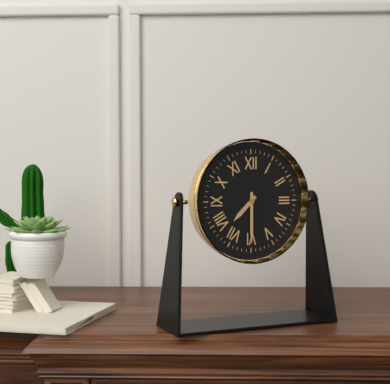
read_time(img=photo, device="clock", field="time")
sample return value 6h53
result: 7h30
